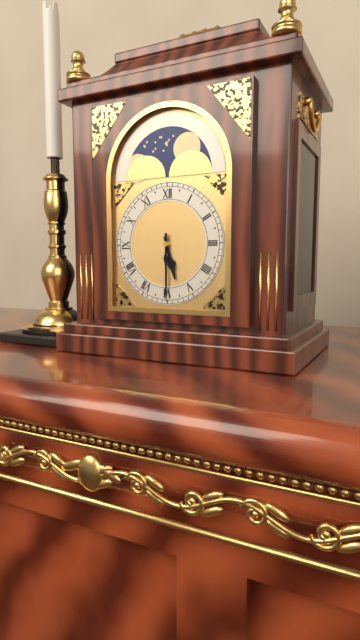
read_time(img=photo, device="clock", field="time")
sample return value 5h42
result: 5h30
